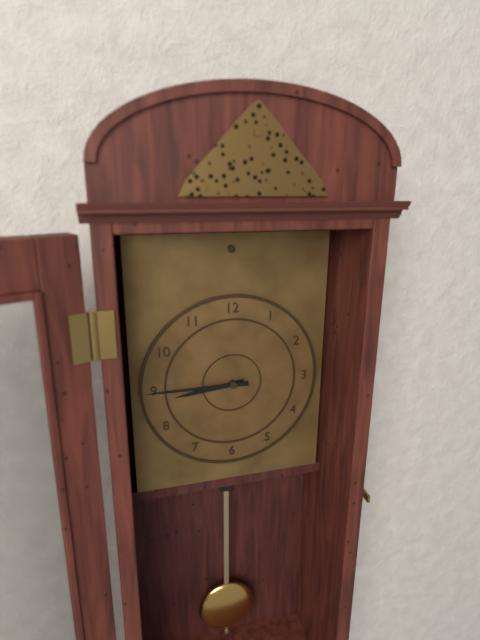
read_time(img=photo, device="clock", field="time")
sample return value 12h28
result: 8h45
